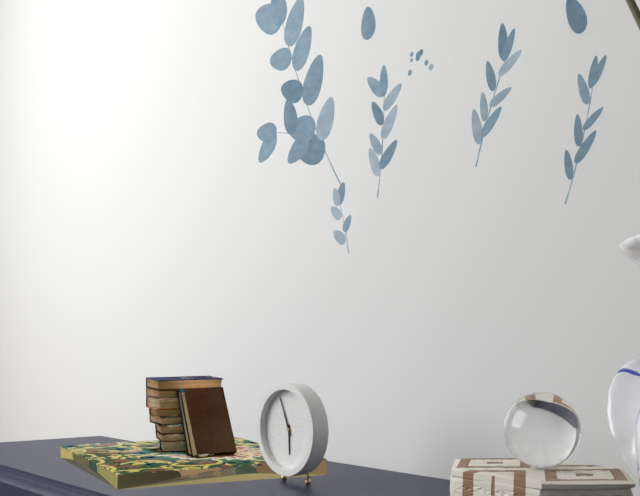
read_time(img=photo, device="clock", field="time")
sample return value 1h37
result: 5h56
